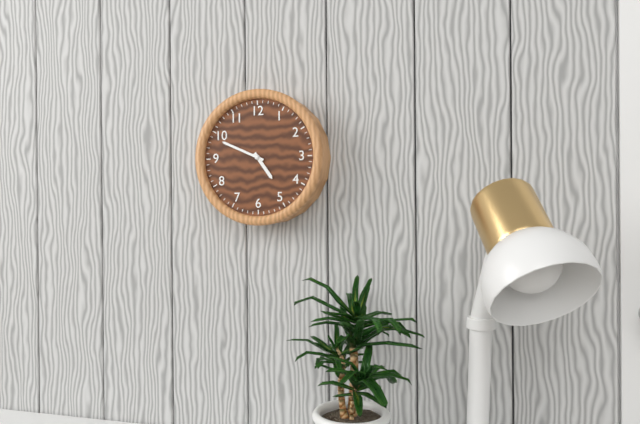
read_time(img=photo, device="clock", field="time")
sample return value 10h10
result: 4h49
